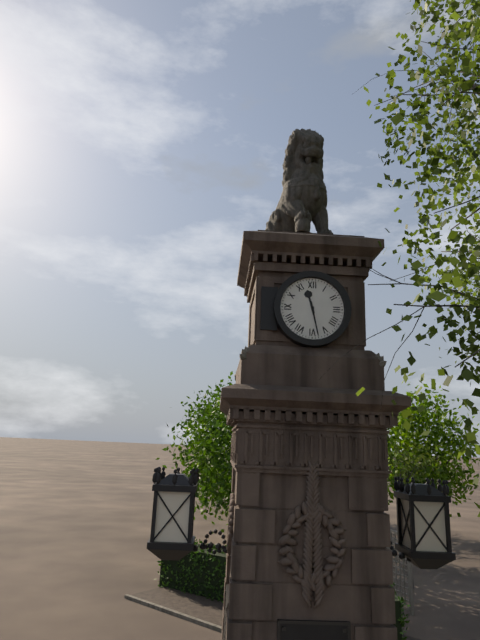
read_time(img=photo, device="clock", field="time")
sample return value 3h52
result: 11h28
